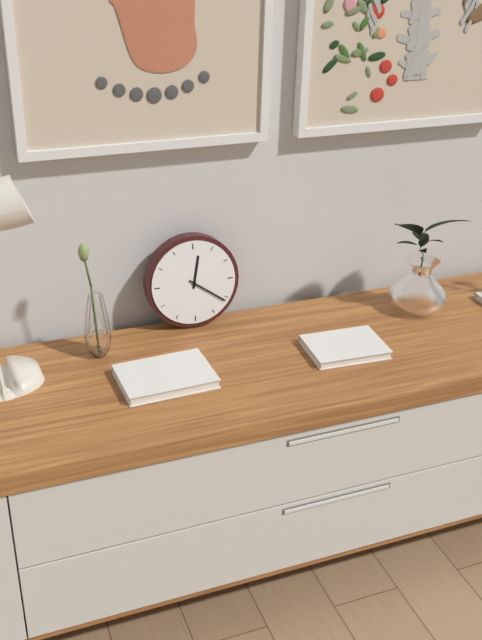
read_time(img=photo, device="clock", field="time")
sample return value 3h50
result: 12h21
